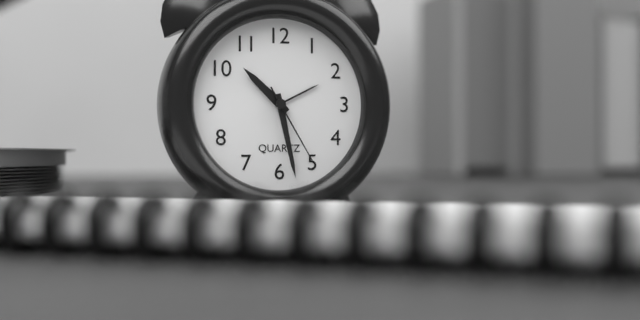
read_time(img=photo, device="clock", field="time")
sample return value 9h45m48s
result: 10h28m25s
